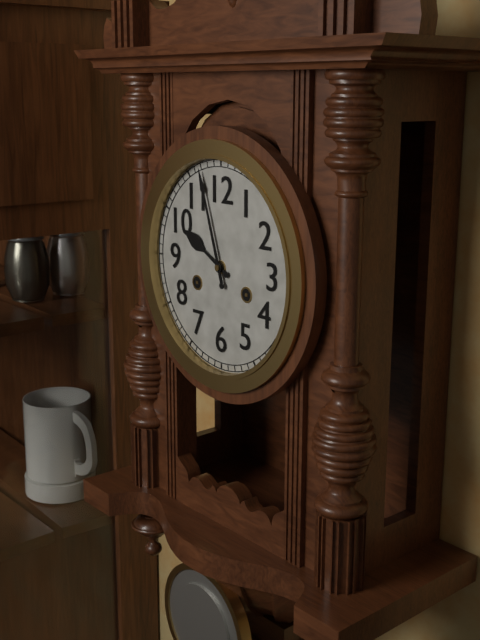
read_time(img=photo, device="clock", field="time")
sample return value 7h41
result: 9h57
